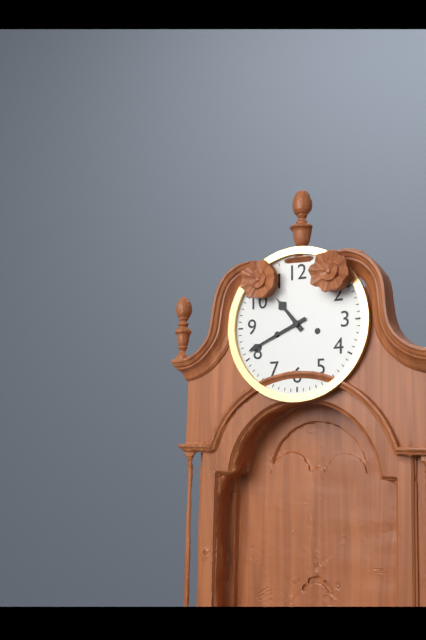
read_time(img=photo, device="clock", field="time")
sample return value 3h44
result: 10h41
